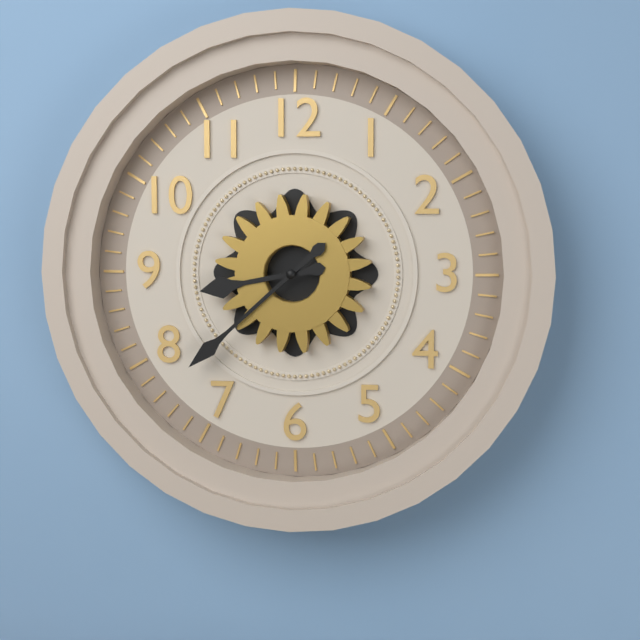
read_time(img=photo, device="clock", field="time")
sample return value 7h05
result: 8h38
